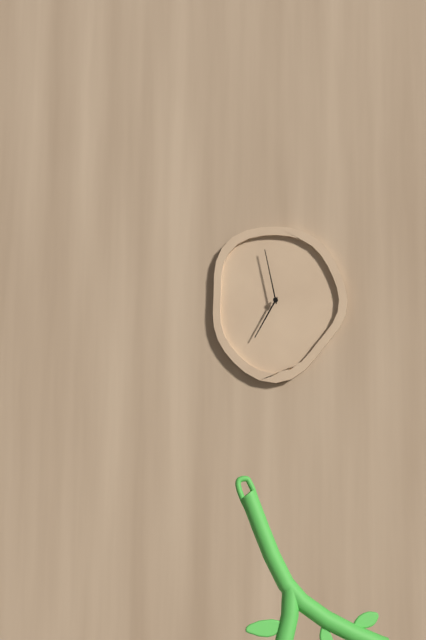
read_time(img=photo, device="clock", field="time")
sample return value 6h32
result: 6h58
